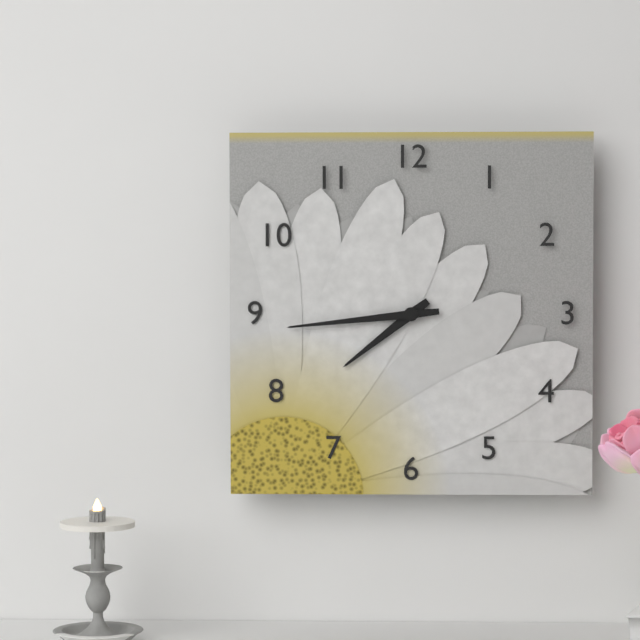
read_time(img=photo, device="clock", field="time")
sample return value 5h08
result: 7h44
